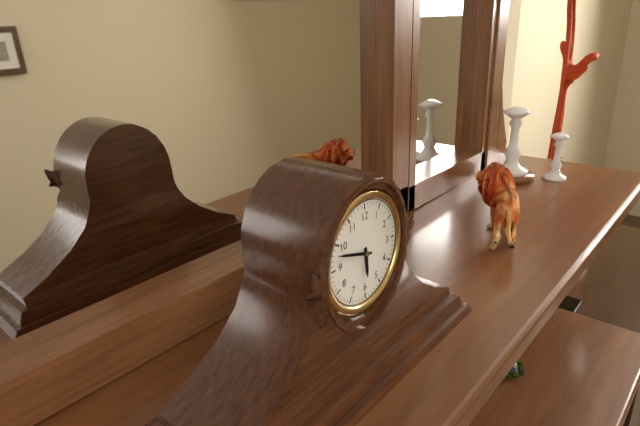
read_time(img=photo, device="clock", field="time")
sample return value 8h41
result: 5h48
